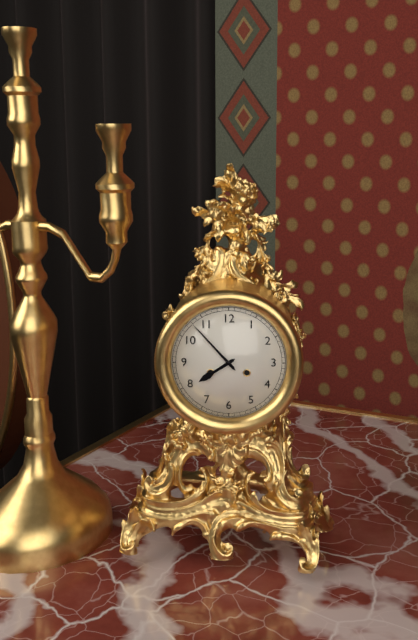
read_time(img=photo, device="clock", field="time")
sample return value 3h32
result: 7h53
